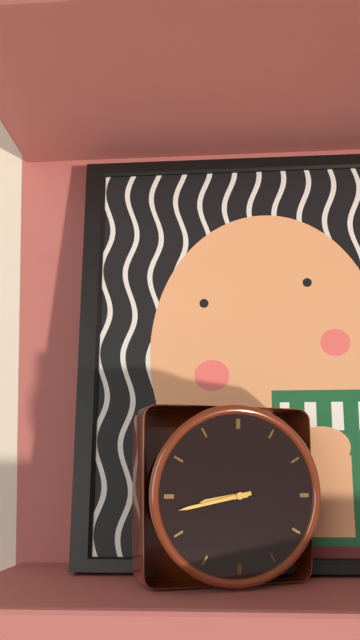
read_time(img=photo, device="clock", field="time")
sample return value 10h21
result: 8h43
